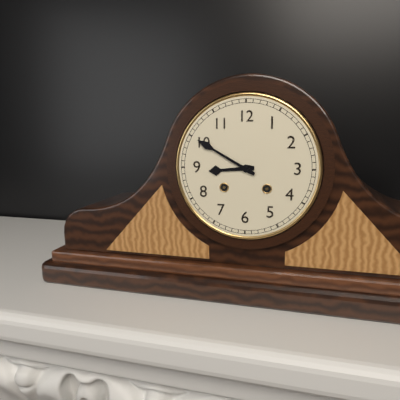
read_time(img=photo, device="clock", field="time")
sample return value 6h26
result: 8h50
